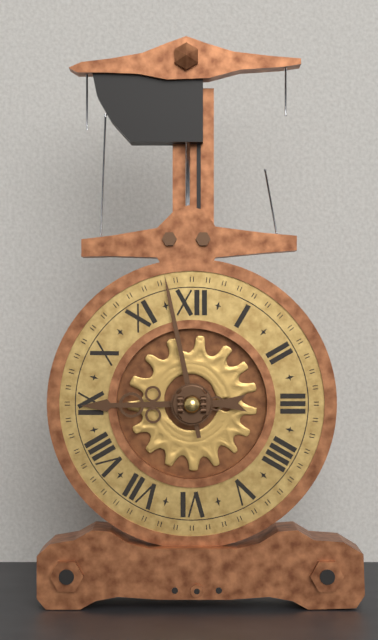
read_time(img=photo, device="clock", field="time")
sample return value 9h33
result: 8h58
